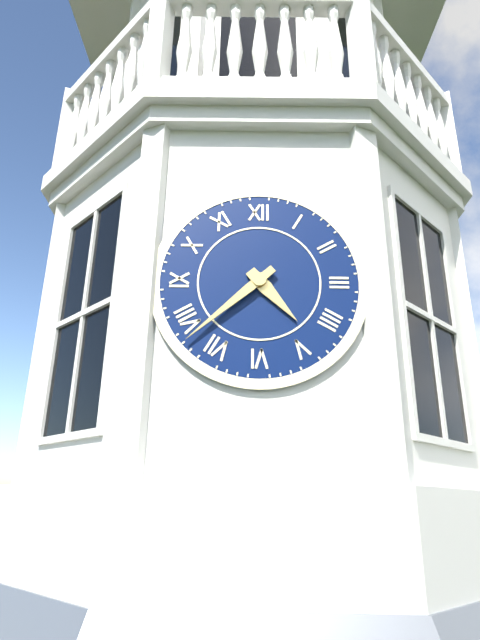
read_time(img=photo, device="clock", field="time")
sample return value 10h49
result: 4h38
